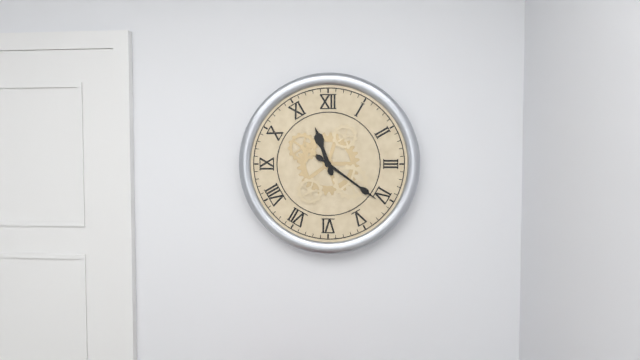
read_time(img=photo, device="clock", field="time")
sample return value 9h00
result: 11h21
